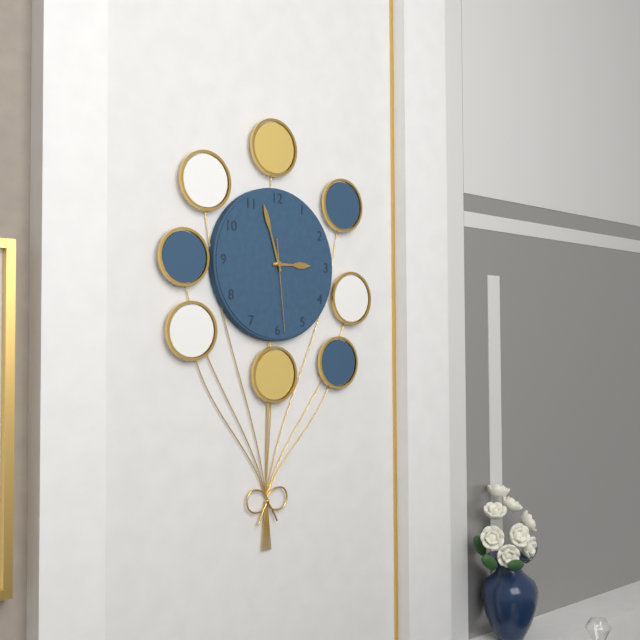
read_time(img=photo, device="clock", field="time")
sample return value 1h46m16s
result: 2h57m29s
